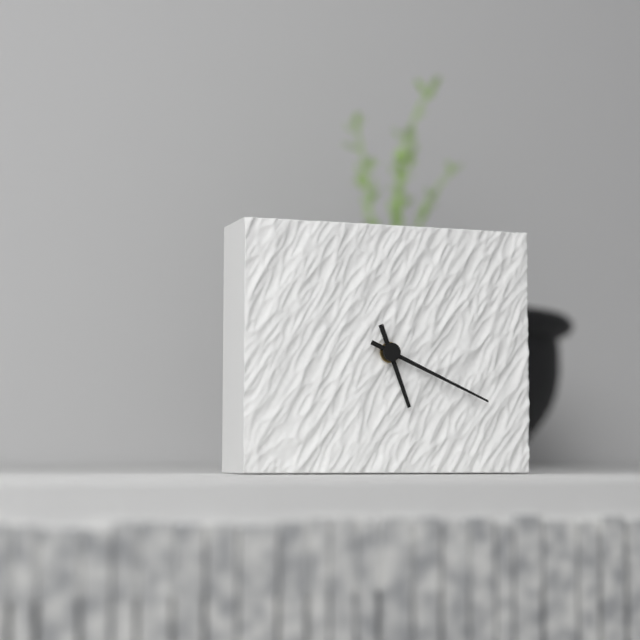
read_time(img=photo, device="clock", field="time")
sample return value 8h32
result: 5h19
